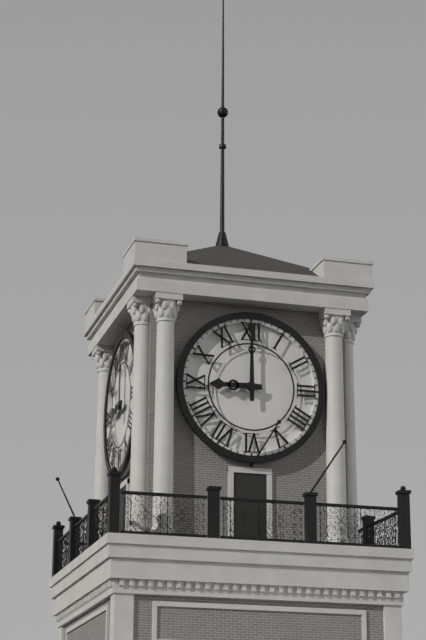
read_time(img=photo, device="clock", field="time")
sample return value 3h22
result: 9h00
